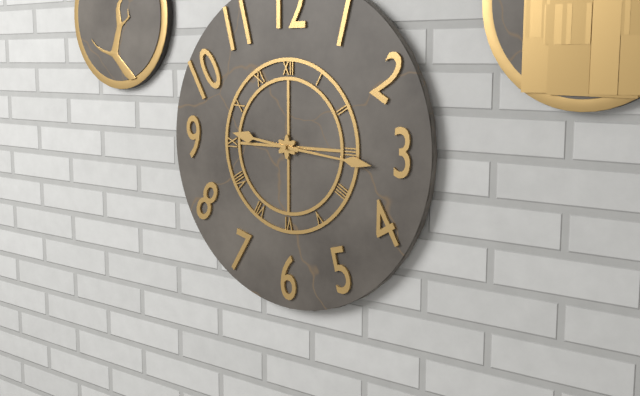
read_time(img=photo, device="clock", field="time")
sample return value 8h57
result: 9h16
